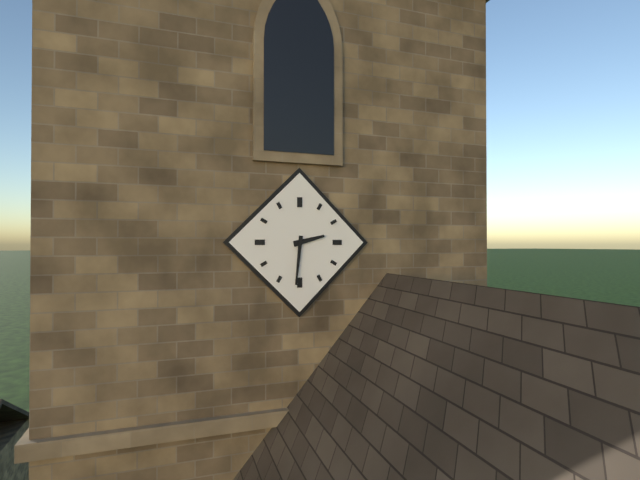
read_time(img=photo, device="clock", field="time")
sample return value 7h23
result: 2h31
